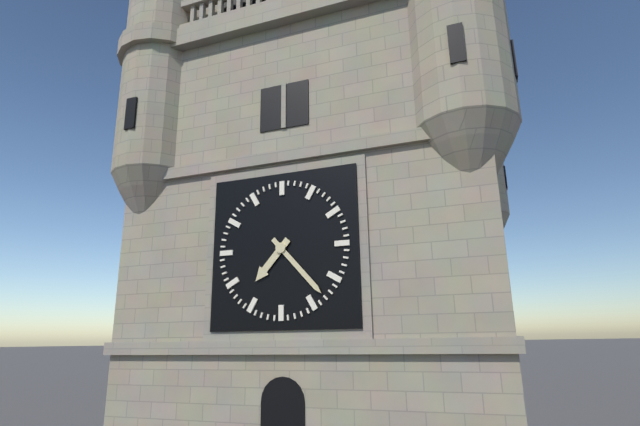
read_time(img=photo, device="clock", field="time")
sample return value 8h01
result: 7h23
